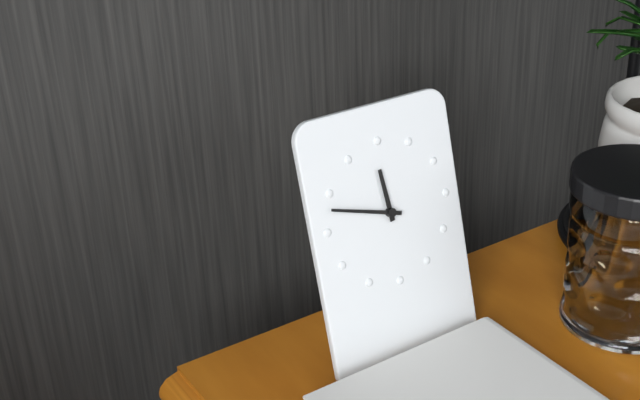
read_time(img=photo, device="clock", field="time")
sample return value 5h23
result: 11h48
